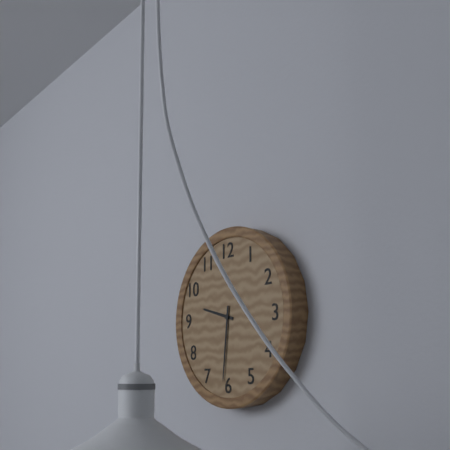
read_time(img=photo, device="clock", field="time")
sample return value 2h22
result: 9h31
